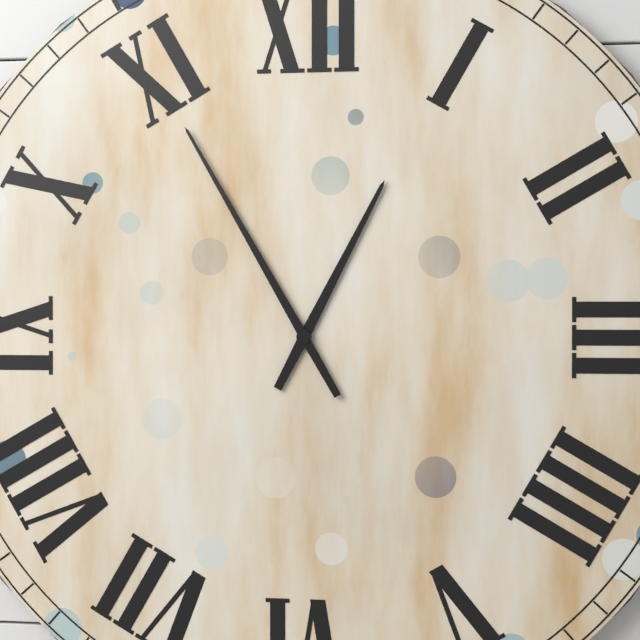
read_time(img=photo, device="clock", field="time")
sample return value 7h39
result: 12h55
